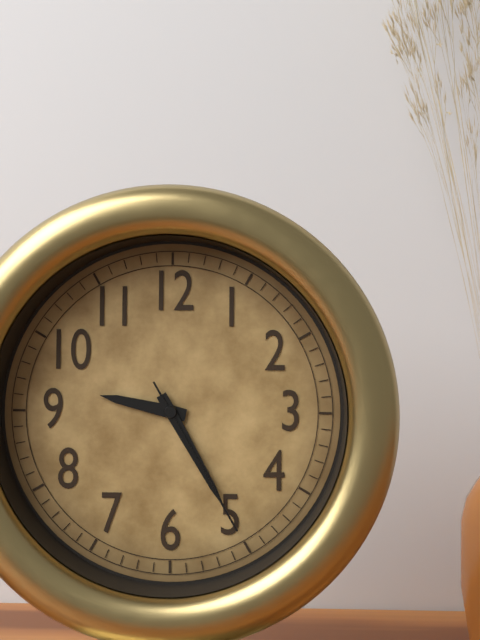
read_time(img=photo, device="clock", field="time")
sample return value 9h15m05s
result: 9h25m25s
